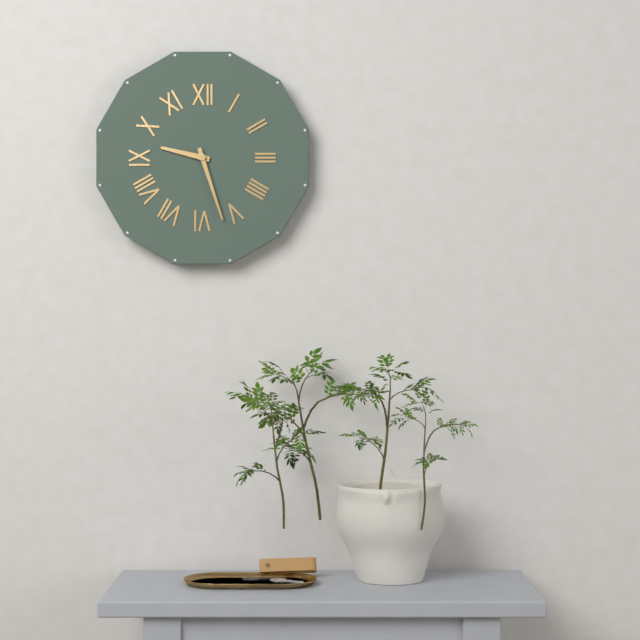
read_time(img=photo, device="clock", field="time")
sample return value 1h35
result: 9h27
